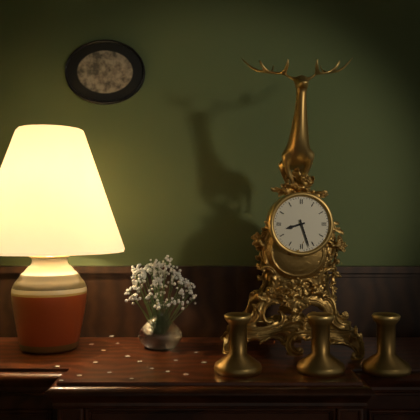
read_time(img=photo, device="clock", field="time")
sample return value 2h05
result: 8h27
